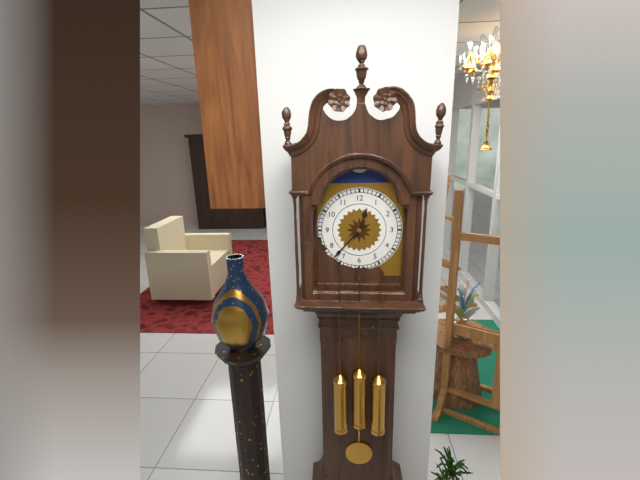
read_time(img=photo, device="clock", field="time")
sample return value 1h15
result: 12h37
